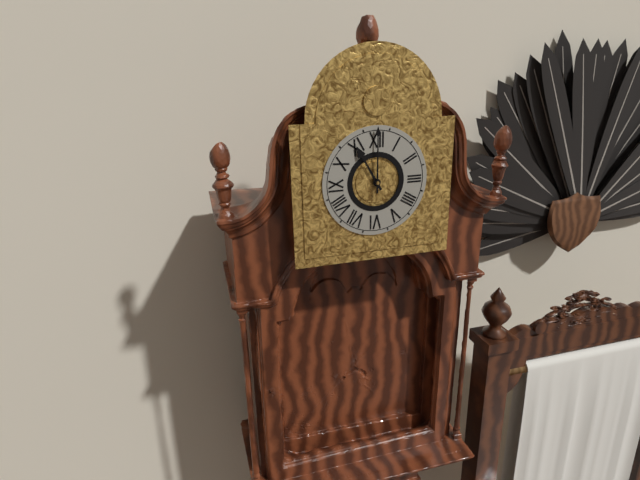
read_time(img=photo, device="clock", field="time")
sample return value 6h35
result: 11h00
